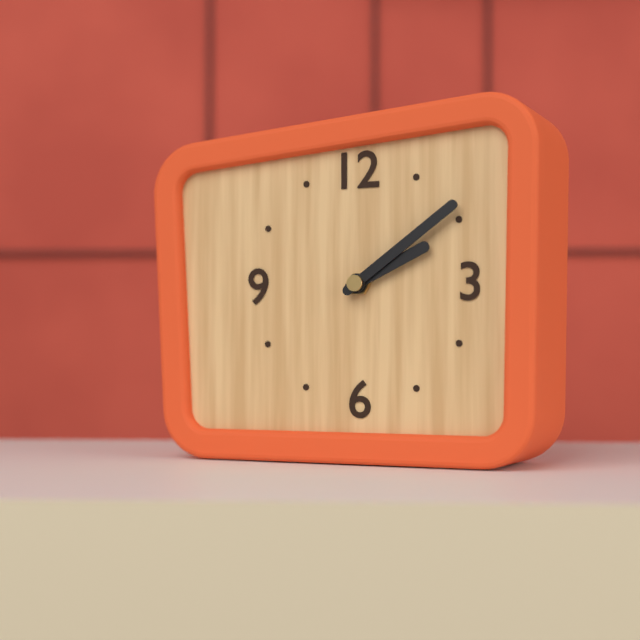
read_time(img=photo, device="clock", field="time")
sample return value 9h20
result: 2h09
